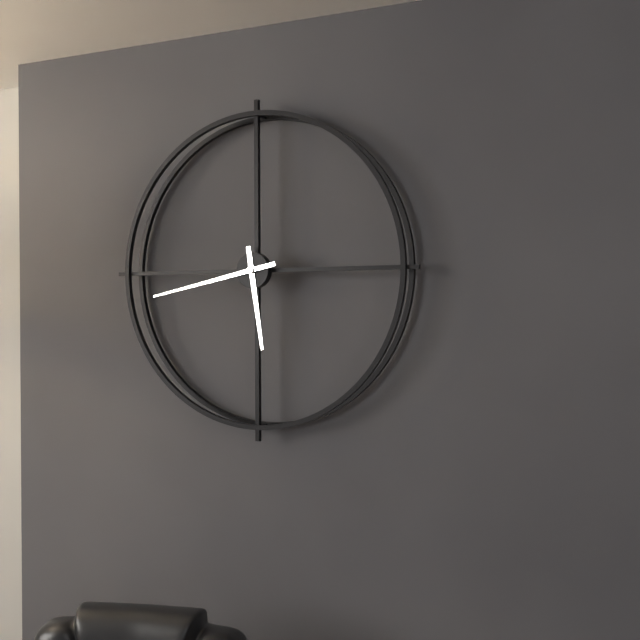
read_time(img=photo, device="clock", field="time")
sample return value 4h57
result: 5h43
